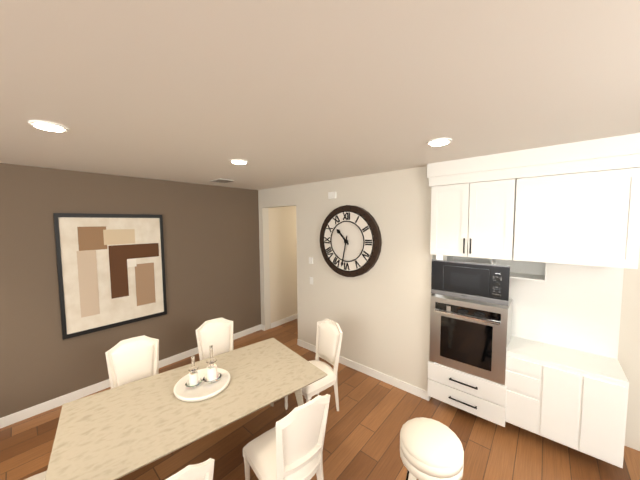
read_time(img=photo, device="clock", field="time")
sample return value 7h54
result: 10h32
